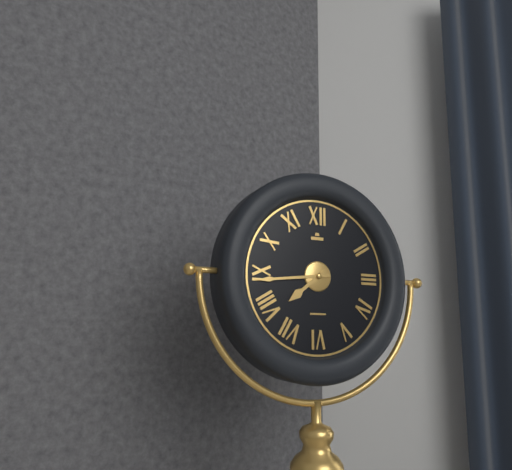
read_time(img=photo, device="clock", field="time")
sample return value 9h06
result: 7h44
